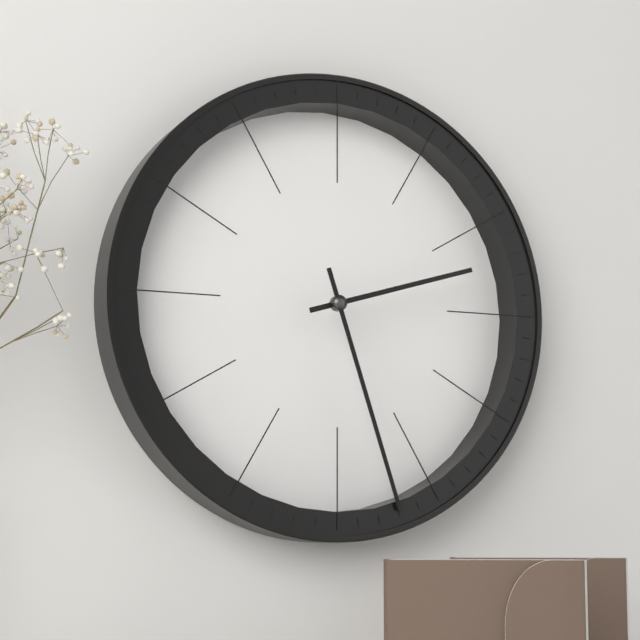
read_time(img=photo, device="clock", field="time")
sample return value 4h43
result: 2h27
